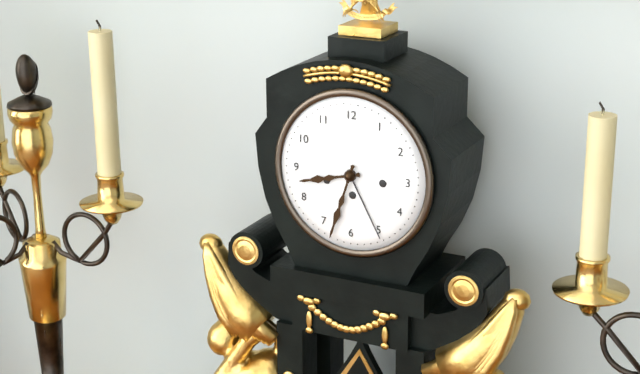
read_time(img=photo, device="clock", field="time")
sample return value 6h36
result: 8h33
